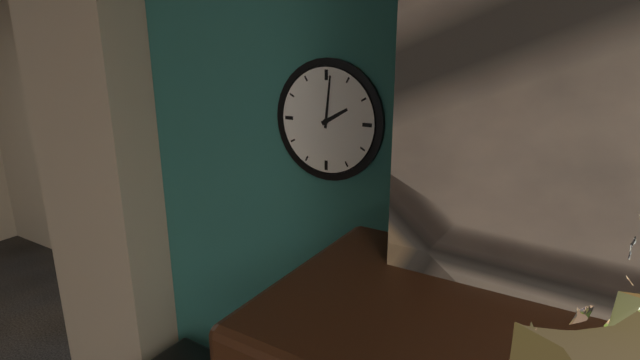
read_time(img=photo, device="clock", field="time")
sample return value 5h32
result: 2h01
